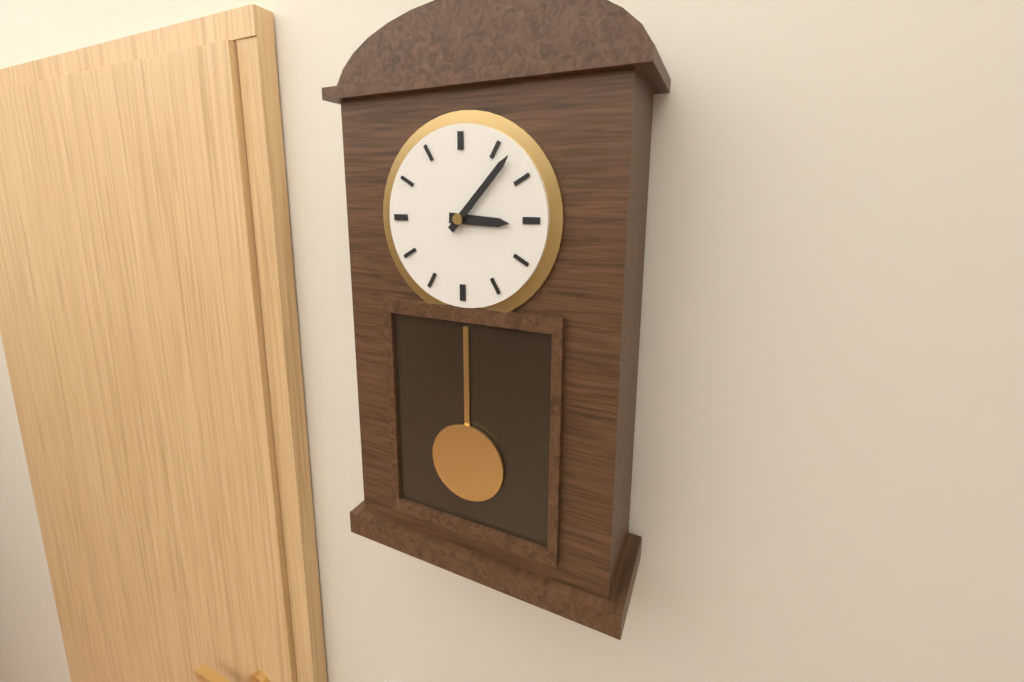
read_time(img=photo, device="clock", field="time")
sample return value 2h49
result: 3h07
